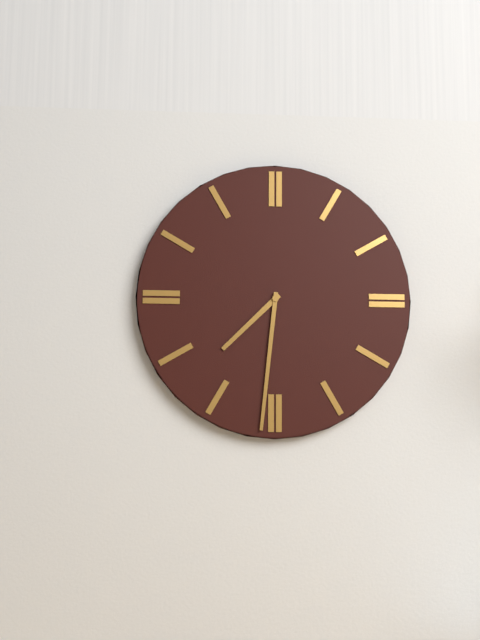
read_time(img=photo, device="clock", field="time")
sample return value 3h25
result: 7h31
